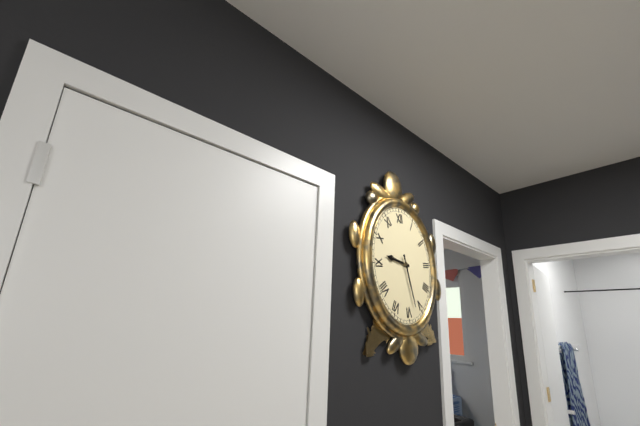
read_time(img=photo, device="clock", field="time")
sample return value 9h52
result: 9h28
